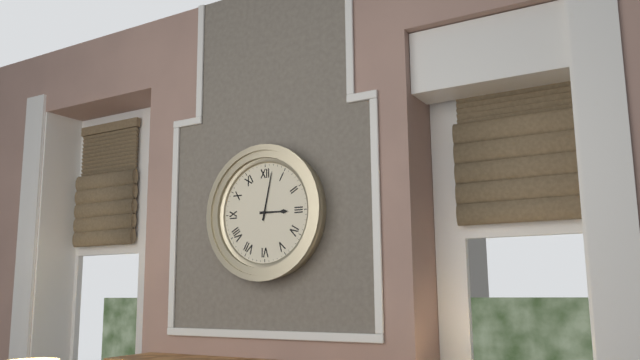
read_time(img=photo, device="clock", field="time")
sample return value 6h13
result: 3h02
